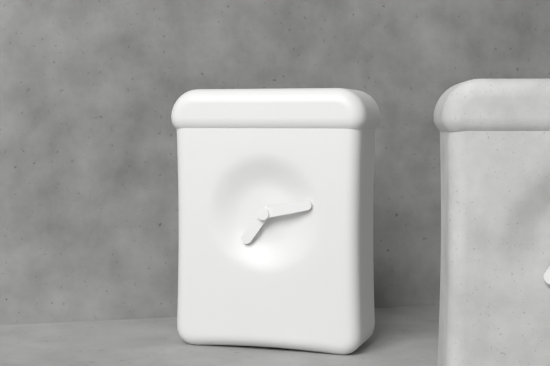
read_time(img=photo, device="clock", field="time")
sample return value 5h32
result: 7h13
